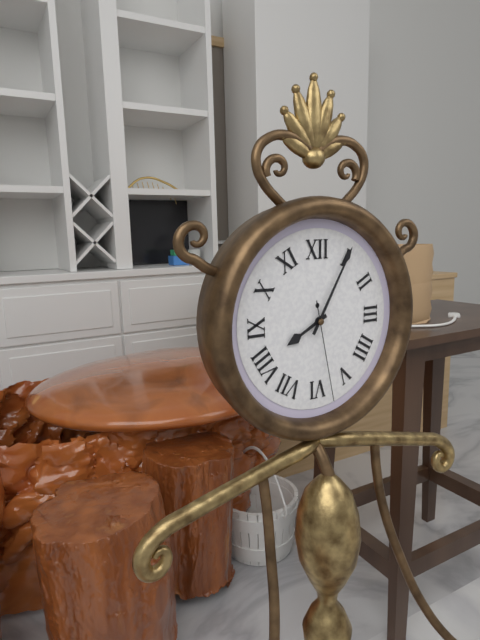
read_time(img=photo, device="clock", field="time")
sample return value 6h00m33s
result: 8h05m28s
